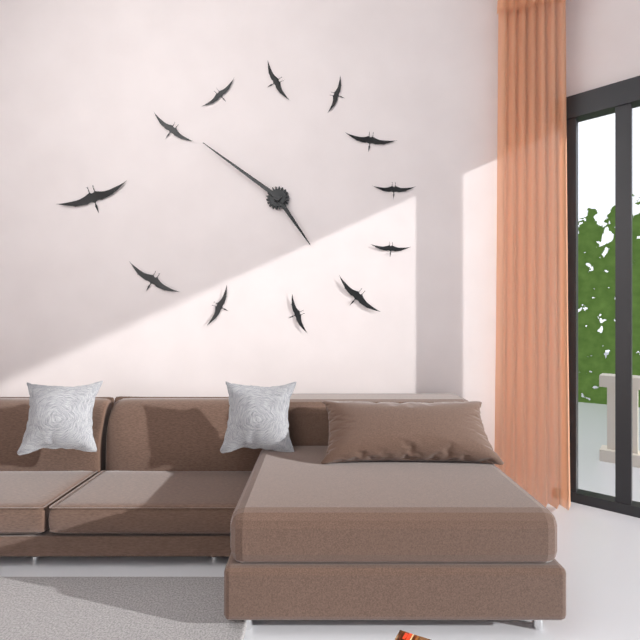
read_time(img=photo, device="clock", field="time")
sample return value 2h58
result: 4h51
